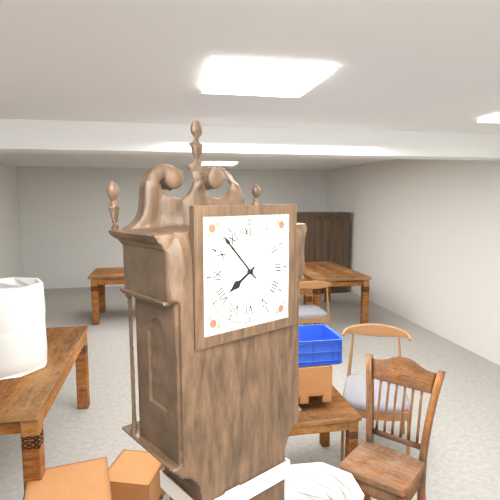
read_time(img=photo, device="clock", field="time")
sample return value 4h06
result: 7h53
